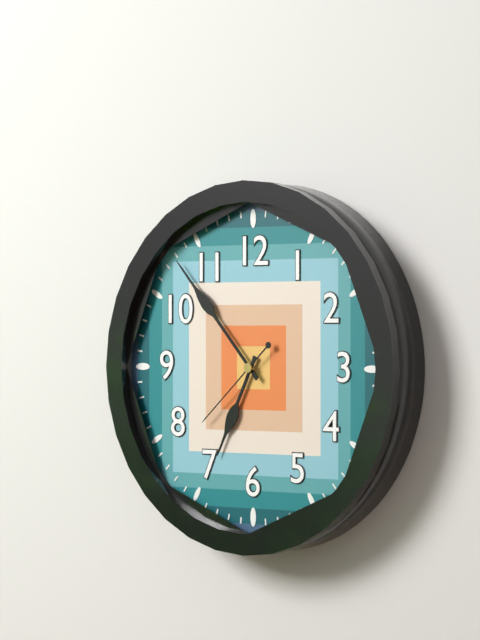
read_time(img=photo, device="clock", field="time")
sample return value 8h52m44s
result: 6h53m38s
